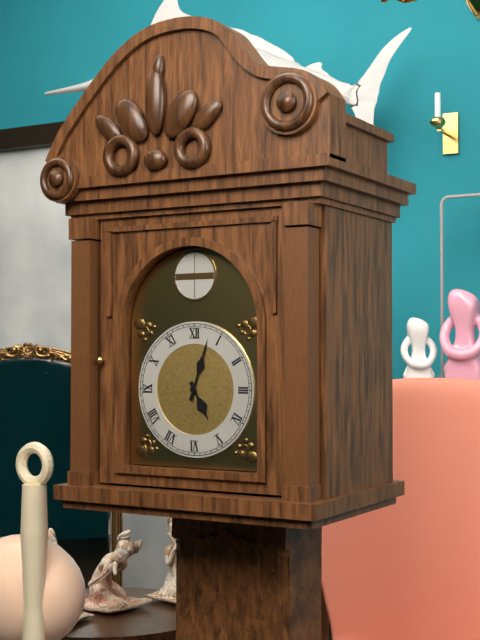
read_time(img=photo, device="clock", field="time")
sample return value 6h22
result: 5h03
